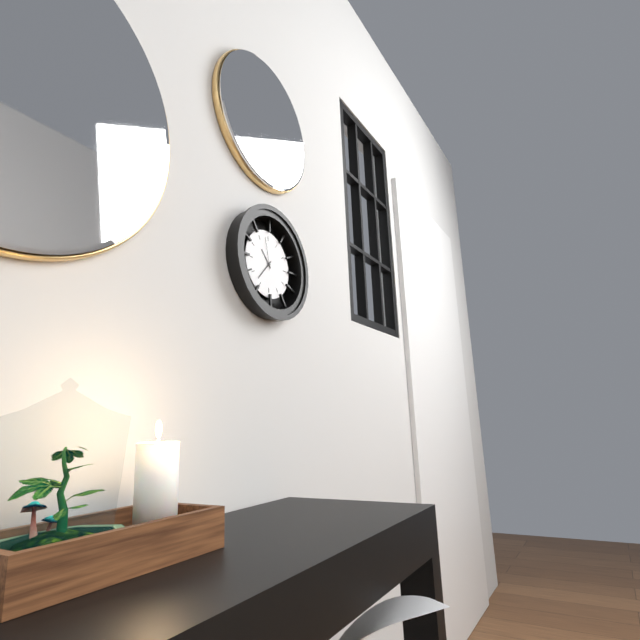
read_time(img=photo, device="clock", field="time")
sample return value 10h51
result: 10h37
